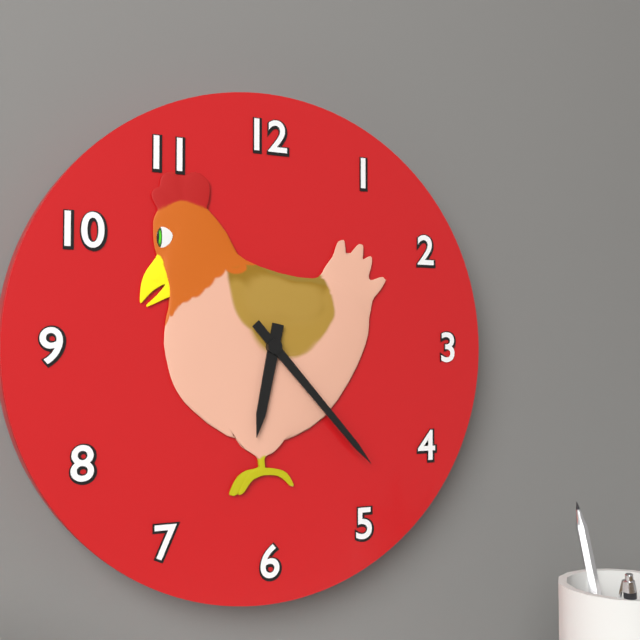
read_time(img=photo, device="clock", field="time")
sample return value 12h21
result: 6h23
